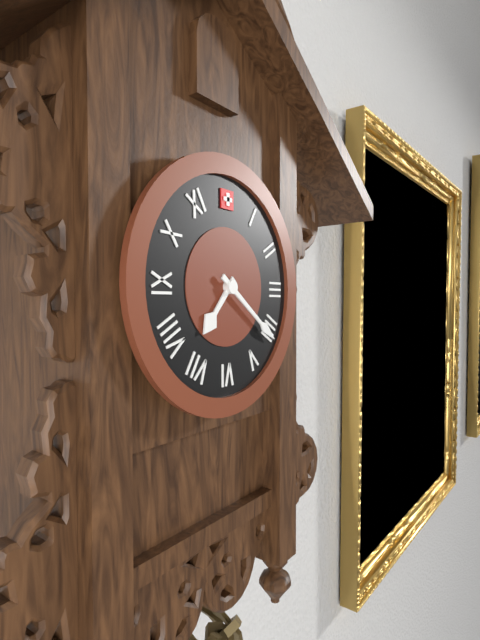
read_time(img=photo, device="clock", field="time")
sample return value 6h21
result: 7h21
